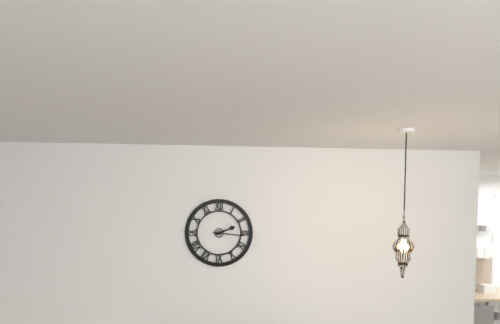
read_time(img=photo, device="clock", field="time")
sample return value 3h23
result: 2h16
